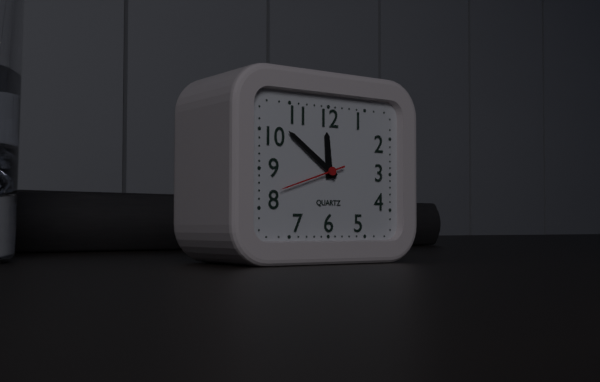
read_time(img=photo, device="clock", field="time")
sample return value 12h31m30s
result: 11h51m42s
